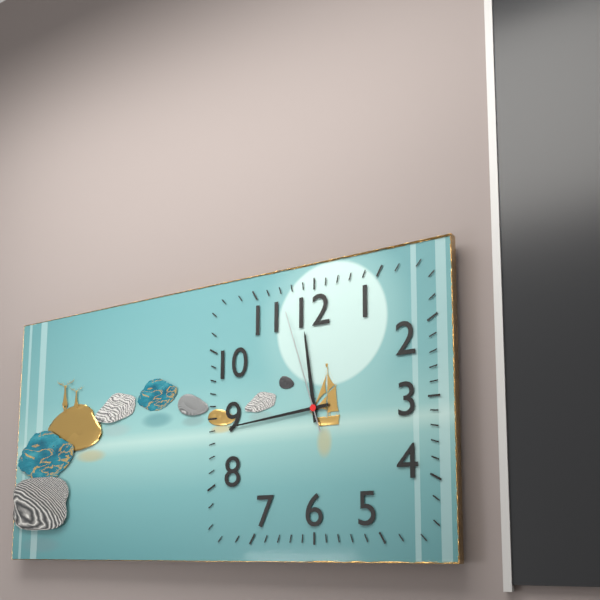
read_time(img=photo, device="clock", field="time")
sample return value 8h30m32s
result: 11h44m57s
